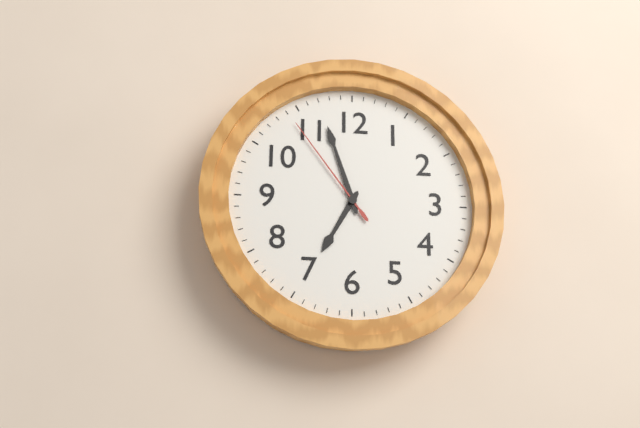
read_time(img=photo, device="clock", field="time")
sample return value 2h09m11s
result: 6h57m54s
